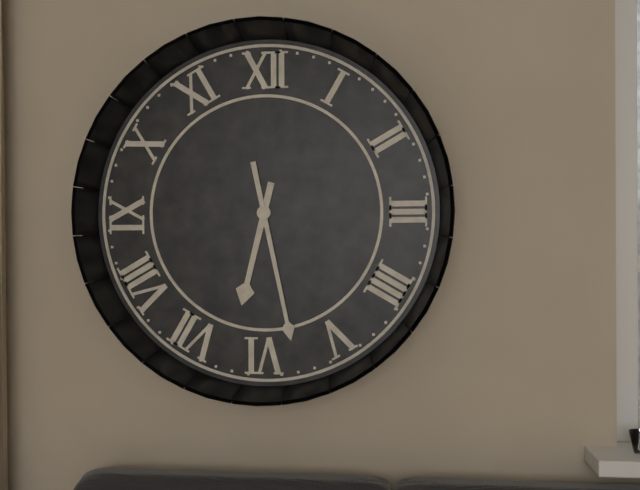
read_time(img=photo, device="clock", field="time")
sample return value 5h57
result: 6h28
